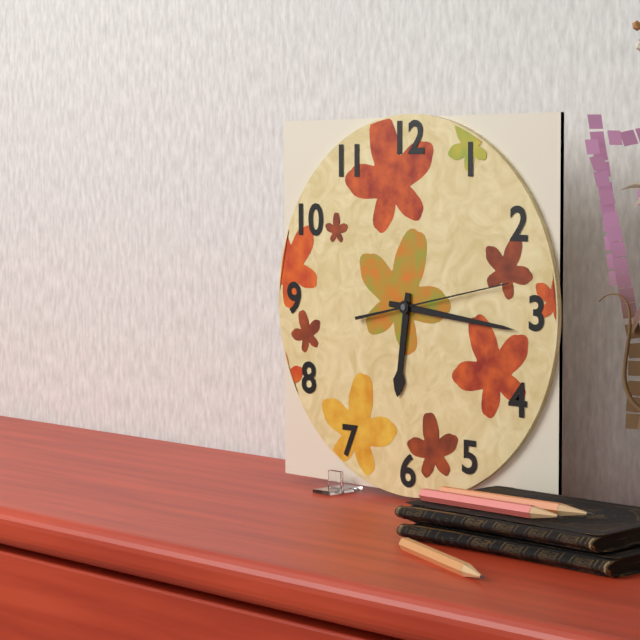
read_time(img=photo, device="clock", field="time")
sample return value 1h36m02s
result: 6h16m13s
